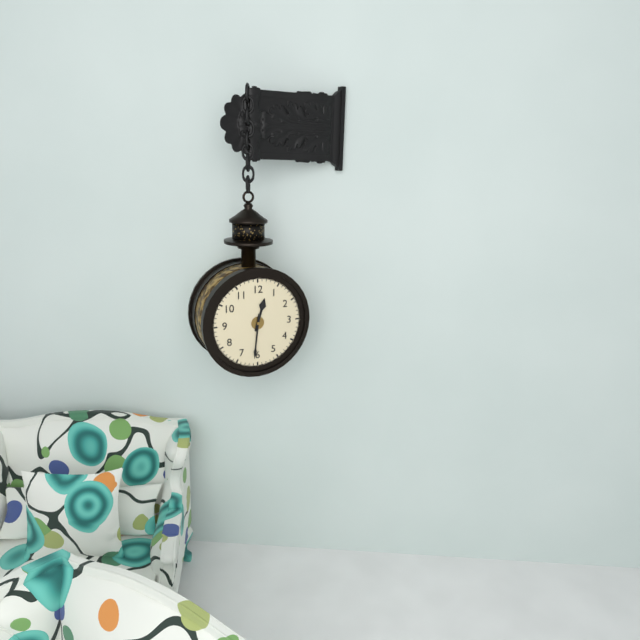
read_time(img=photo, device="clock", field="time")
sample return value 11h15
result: 12h31
